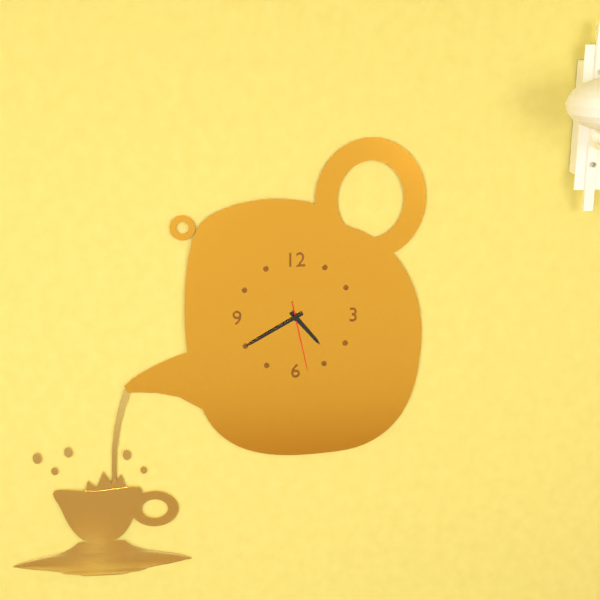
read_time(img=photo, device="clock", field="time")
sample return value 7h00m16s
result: 4h40m28s
